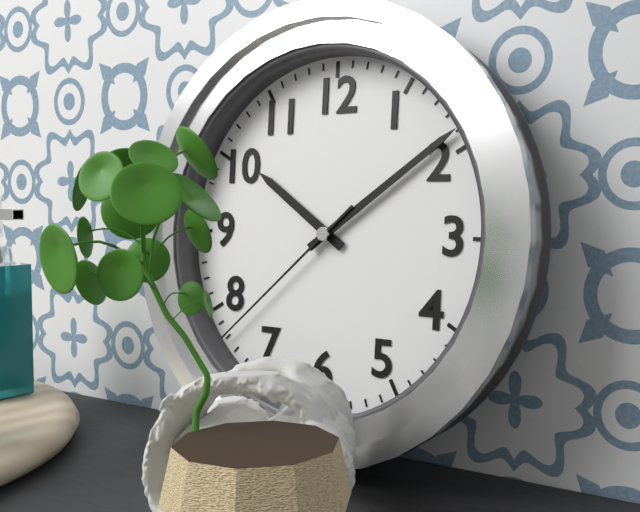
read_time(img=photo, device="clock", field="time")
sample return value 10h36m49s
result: 10h09m38s
